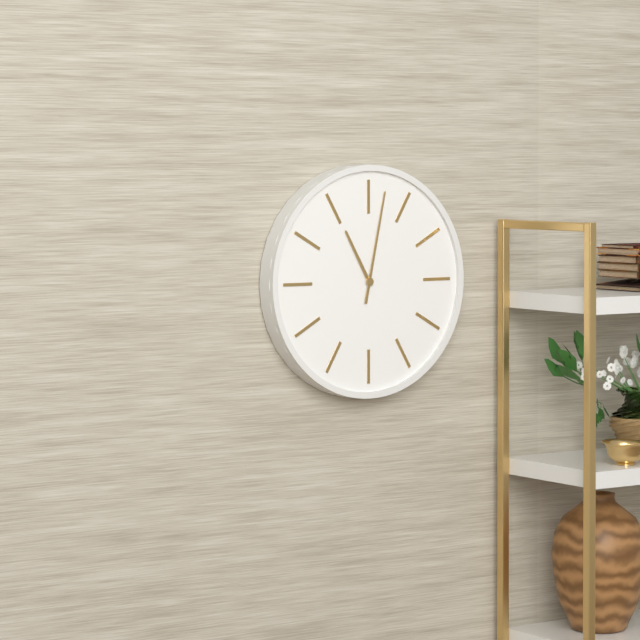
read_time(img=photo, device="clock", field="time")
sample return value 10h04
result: 11h02
